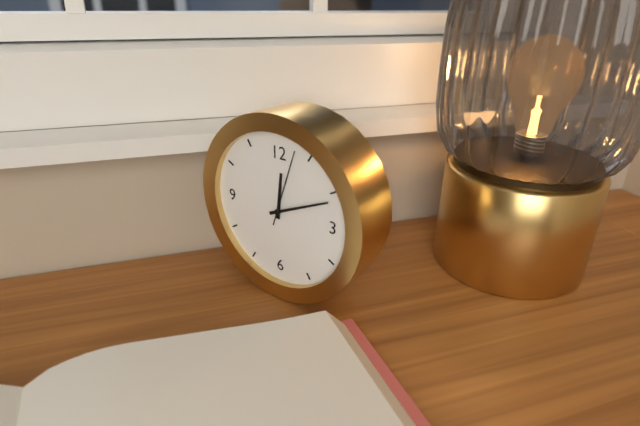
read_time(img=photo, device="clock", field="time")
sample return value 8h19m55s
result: 12h11m03s
